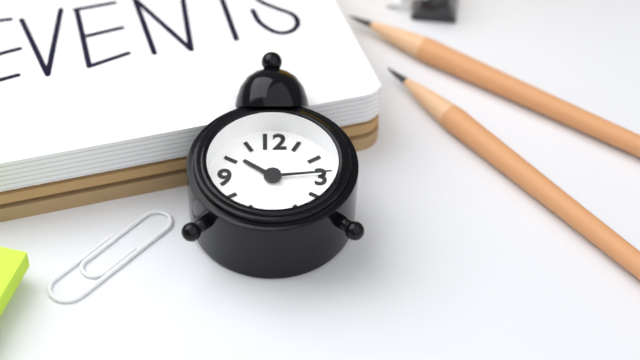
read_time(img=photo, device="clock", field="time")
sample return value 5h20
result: 10h14
